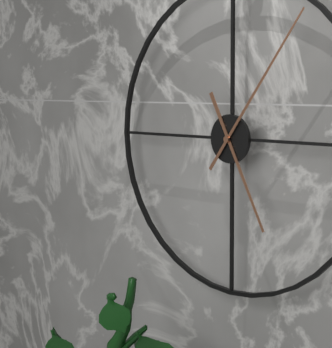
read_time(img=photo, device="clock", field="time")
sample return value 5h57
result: 5h06
